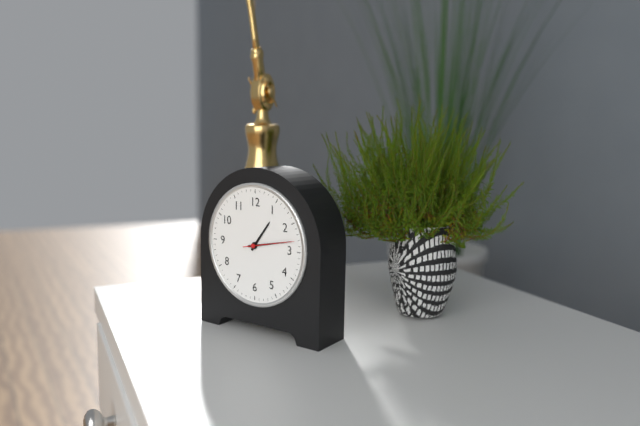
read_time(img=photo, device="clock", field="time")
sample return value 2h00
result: 1h13
